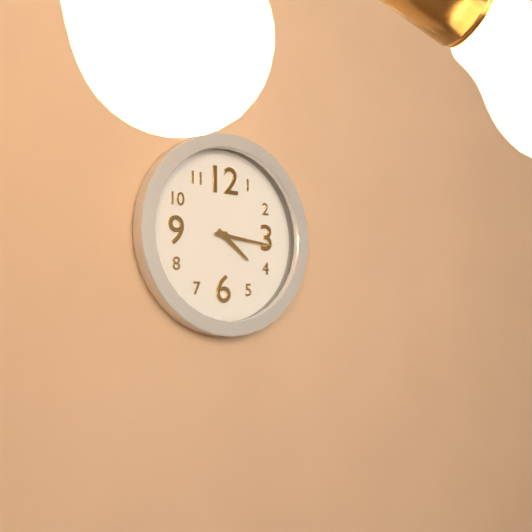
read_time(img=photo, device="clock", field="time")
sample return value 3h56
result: 4h16
